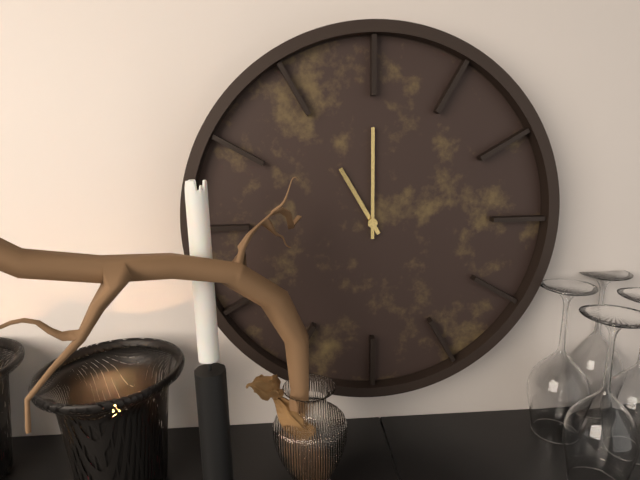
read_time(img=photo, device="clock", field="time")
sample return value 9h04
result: 11h00
